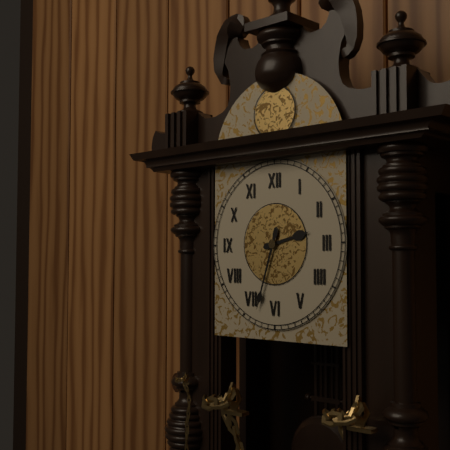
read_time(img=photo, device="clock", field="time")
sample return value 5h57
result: 2h33
